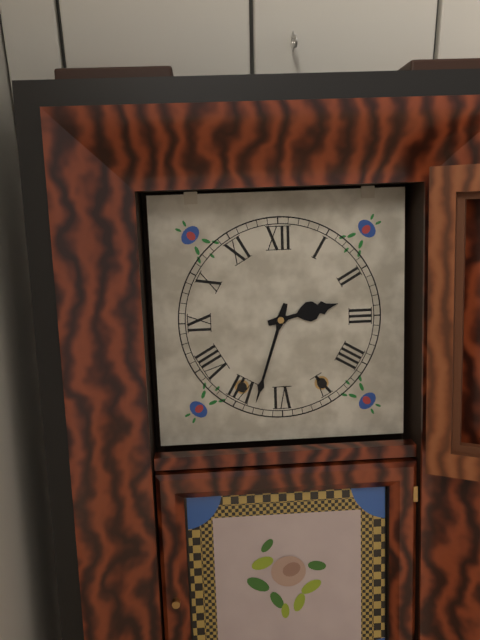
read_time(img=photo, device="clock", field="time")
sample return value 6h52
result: 2h33
